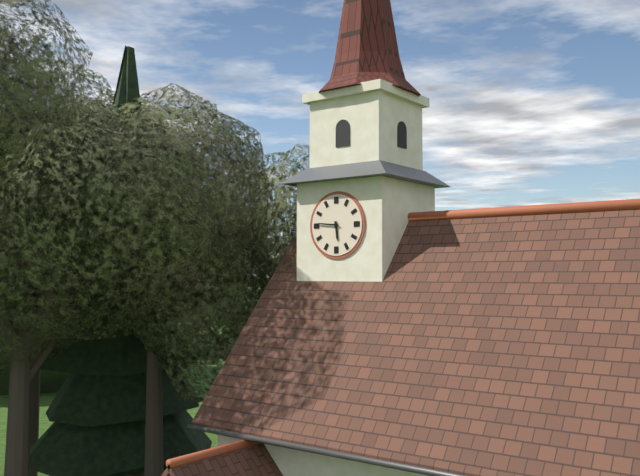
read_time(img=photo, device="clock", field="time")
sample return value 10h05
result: 5h46
